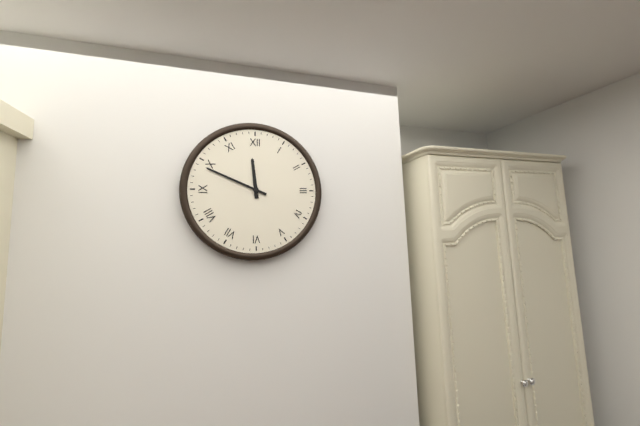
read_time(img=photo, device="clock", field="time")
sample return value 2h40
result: 11h49
